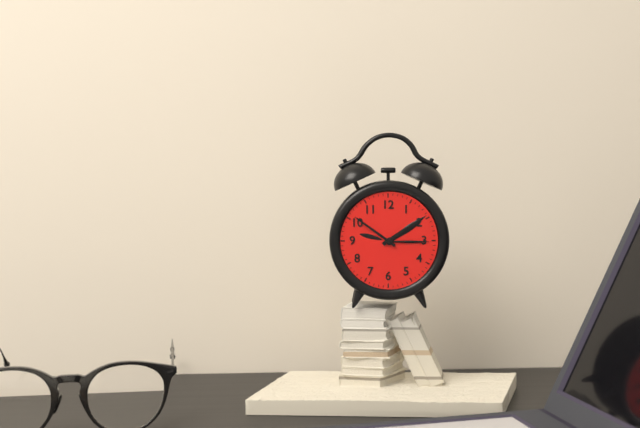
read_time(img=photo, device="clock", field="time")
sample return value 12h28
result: 1h51
